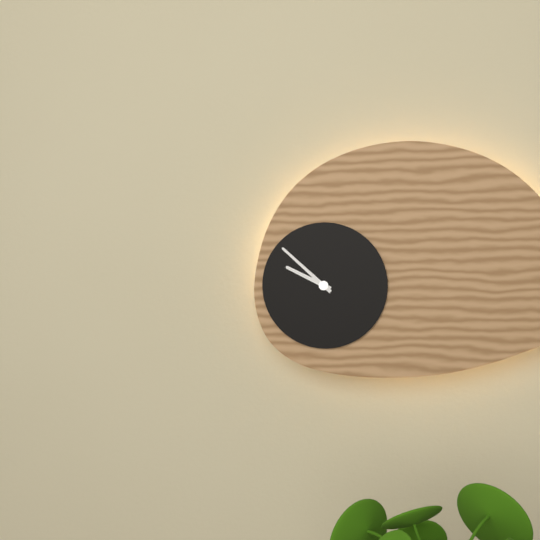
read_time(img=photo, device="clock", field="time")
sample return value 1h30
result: 9h52
